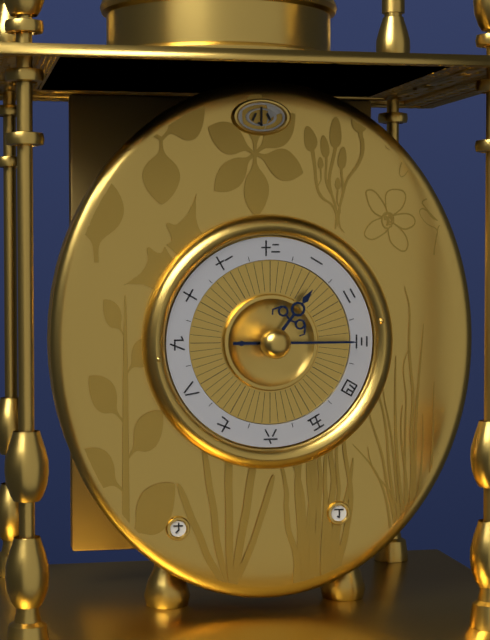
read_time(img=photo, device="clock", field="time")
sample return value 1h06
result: 1h15
